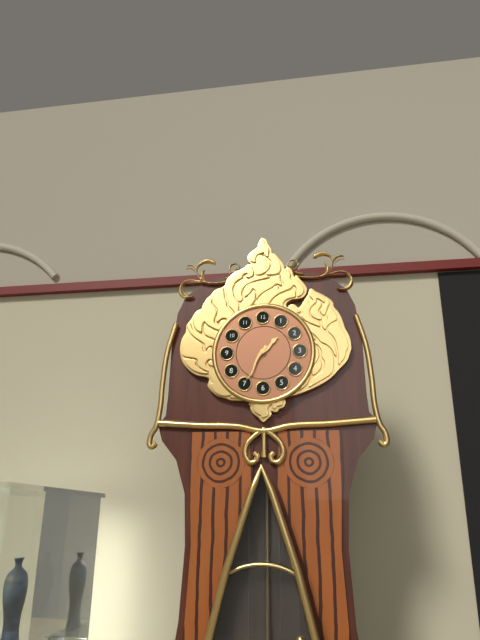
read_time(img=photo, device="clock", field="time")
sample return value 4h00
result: 1h35
